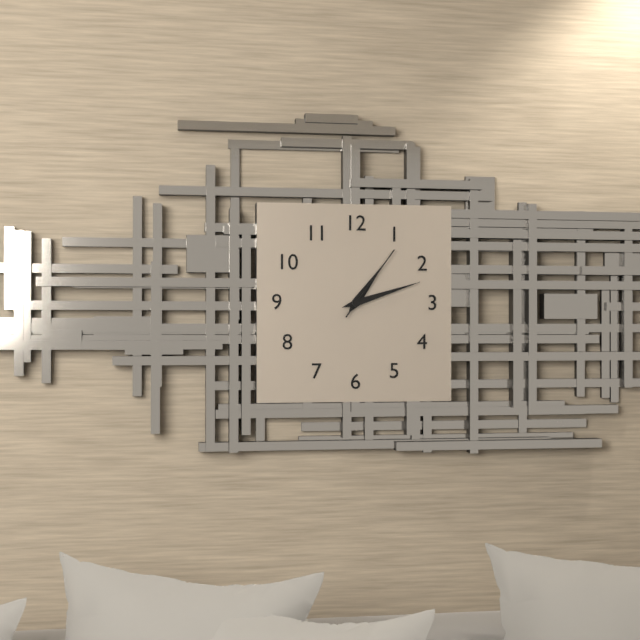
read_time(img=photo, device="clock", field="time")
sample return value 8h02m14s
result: 1h12m06s
